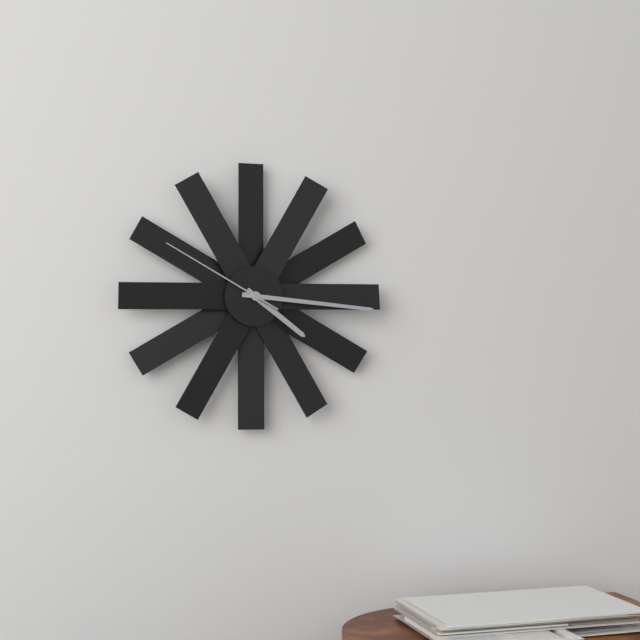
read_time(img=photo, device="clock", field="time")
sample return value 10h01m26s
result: 4h16m50s
